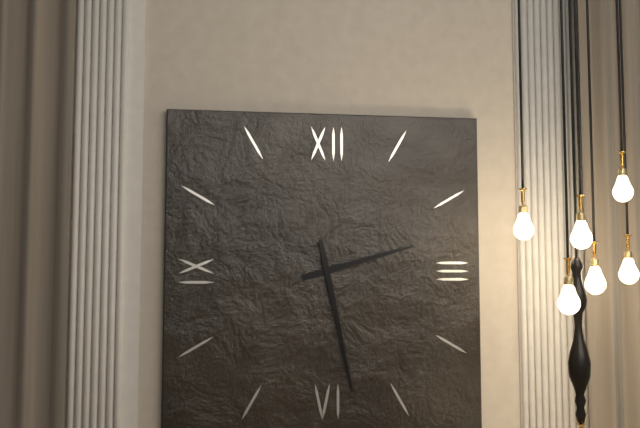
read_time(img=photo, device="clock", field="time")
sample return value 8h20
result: 2h28
